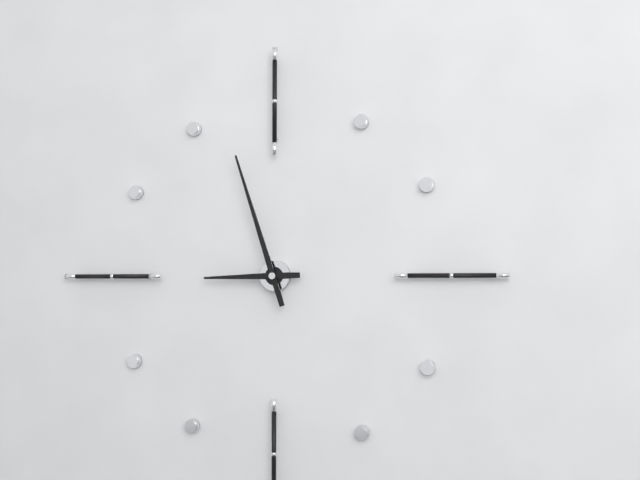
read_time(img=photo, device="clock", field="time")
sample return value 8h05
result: 8h57
